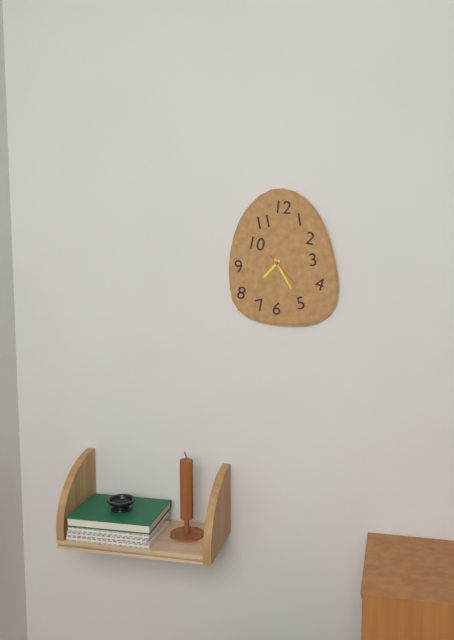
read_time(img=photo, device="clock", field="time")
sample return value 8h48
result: 7h25
